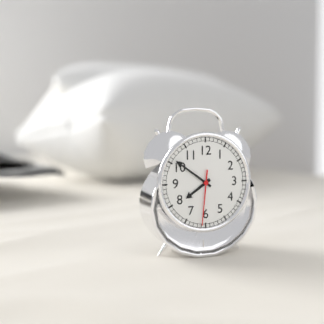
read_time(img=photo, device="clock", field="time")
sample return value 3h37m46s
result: 7h51m31s
